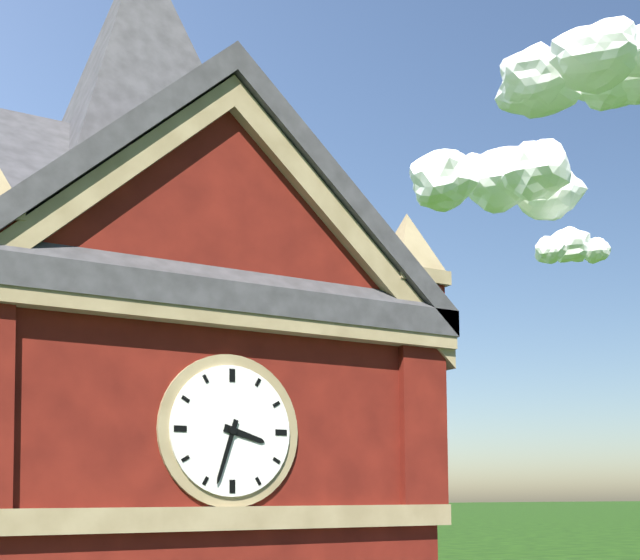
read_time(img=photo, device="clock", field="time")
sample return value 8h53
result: 3h33
